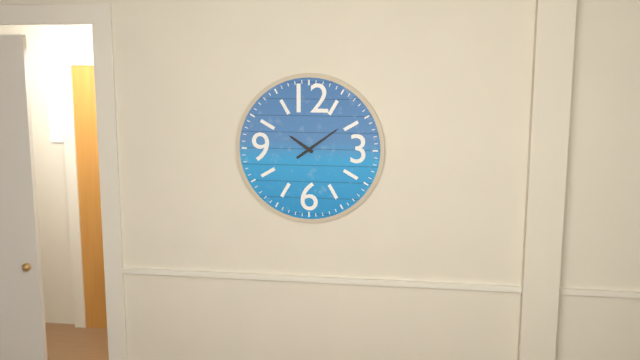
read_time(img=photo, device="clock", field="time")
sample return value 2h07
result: 10h09
